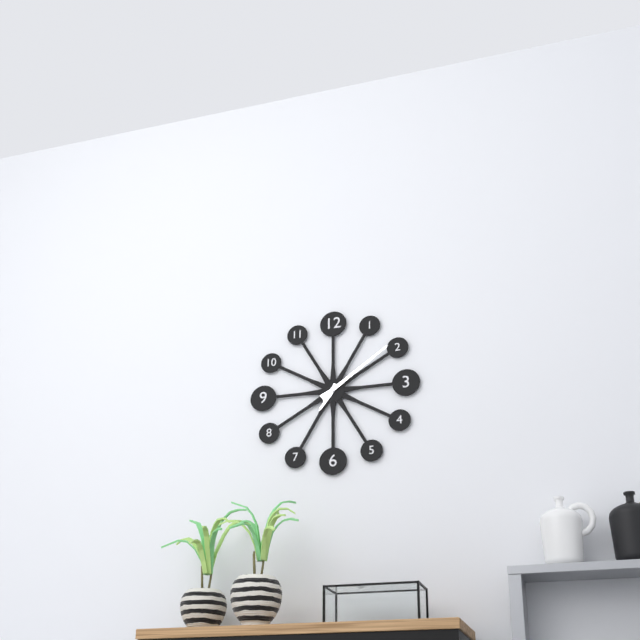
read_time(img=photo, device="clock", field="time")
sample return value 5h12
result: 7h09
